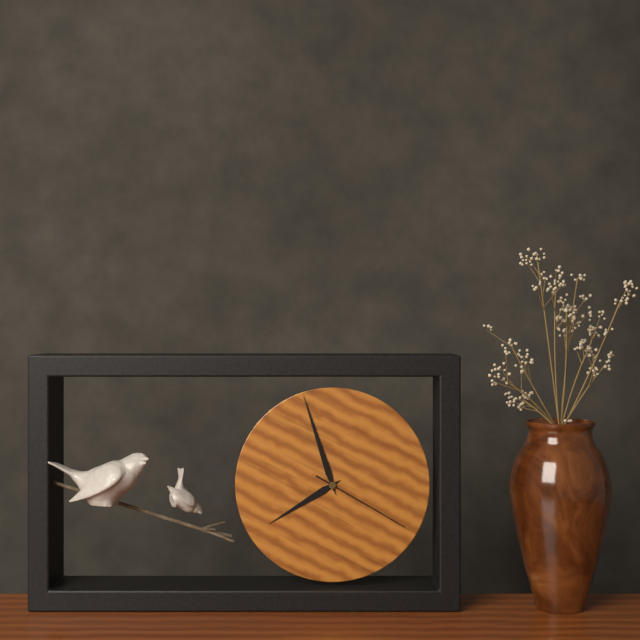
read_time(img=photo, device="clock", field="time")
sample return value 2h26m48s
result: 7h57m20s
